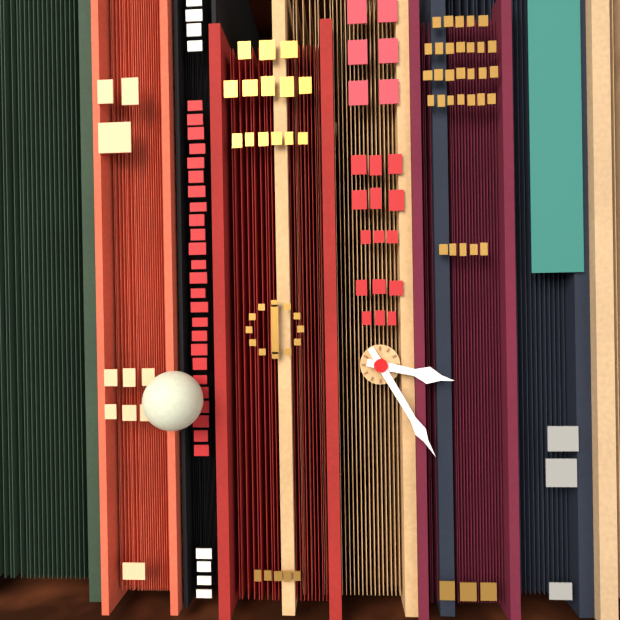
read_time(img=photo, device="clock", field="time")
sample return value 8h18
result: 3h25
